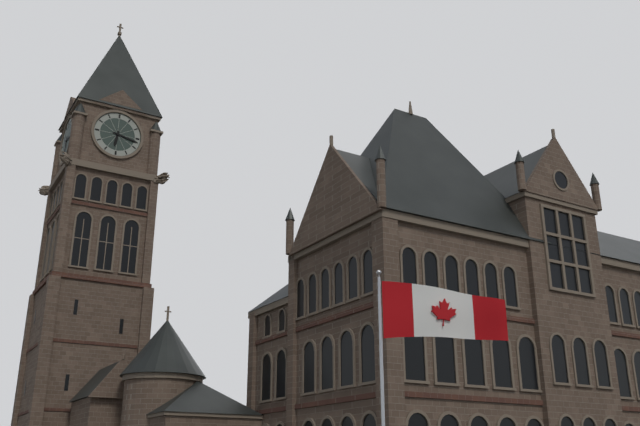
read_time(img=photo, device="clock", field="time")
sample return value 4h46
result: 6h17
